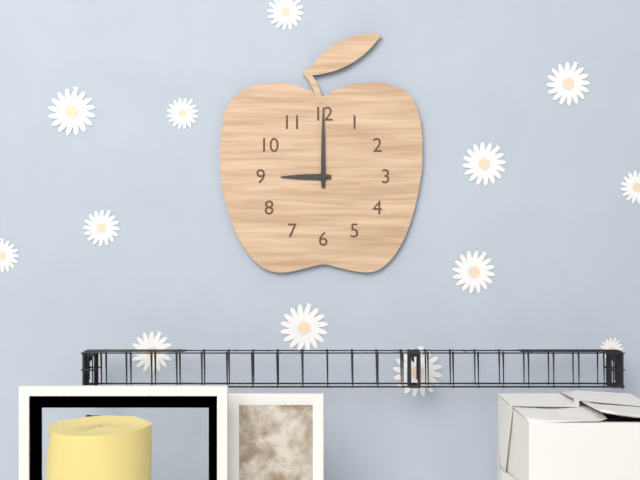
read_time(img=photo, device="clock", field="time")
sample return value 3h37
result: 9h00
